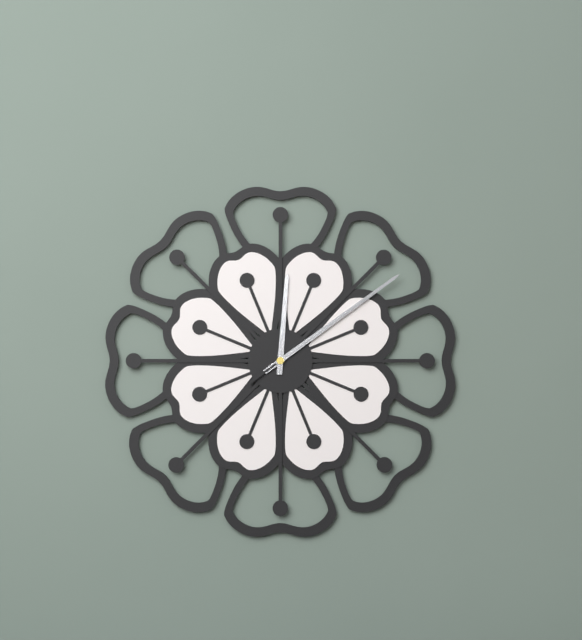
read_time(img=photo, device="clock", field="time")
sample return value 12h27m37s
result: 12h09m09s
